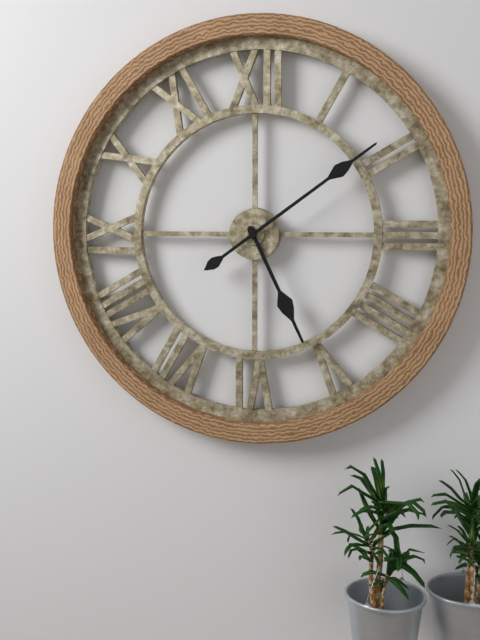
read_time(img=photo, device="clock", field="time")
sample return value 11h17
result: 5h09
